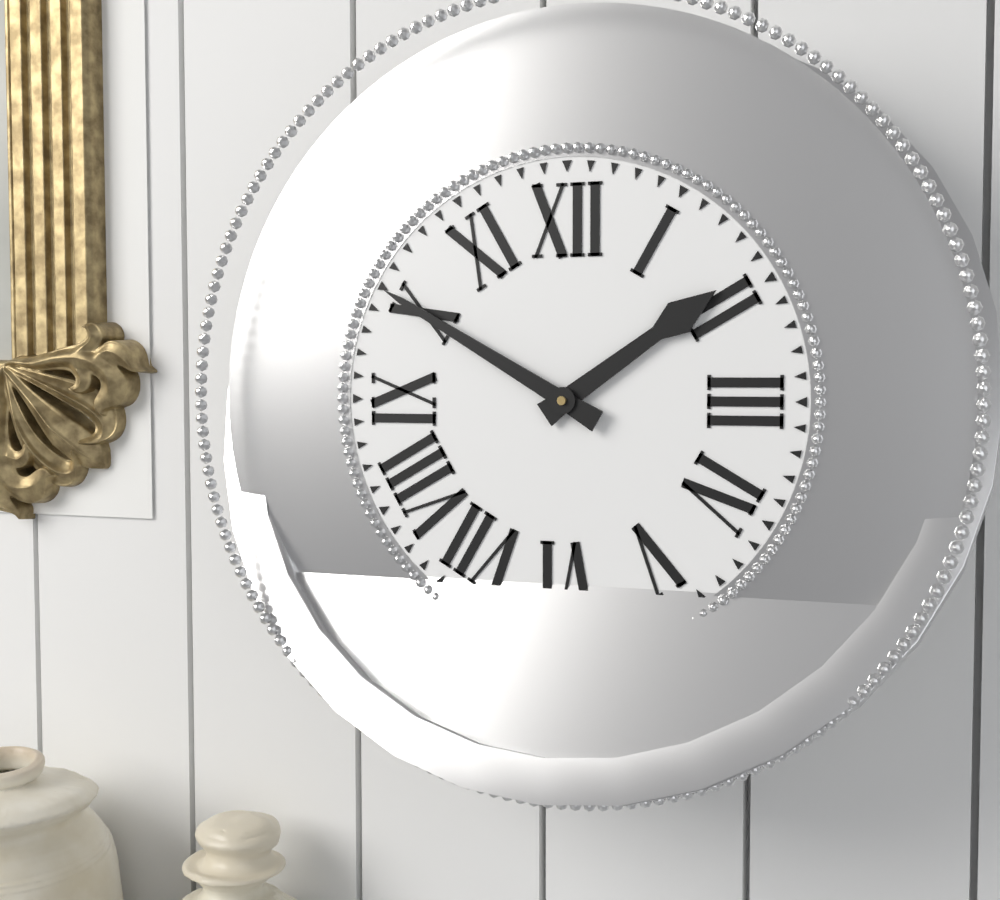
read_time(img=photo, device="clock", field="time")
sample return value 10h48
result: 1h50
